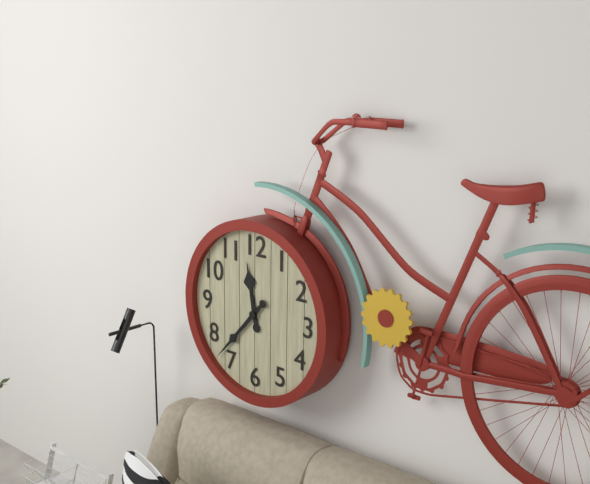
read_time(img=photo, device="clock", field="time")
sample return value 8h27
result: 11h37
